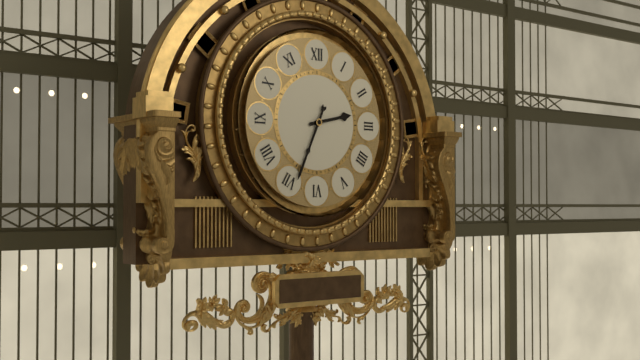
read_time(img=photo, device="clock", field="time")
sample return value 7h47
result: 2h34
